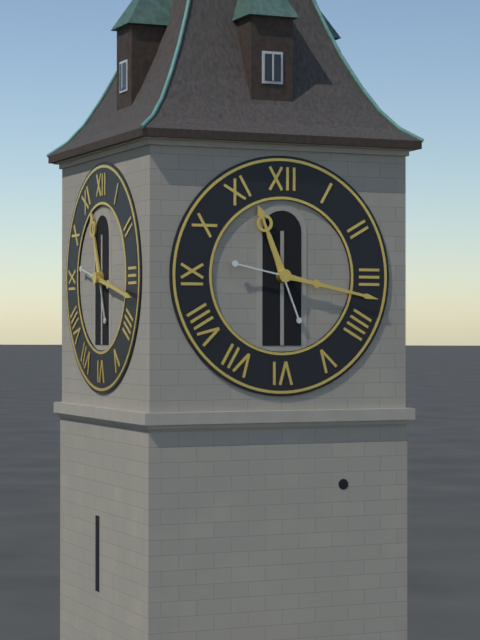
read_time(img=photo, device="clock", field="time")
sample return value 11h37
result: 11h17
